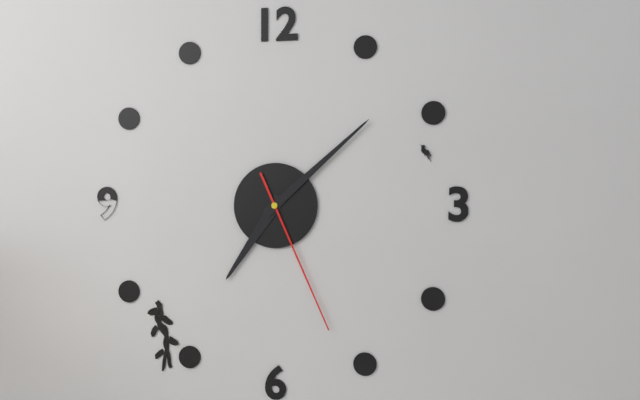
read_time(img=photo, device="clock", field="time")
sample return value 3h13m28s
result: 7h08m26s
